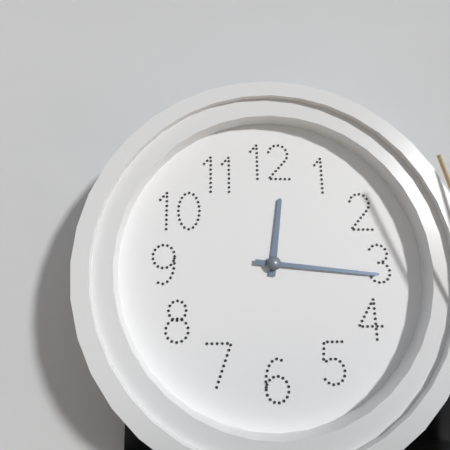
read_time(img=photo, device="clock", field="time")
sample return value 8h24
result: 12h16
